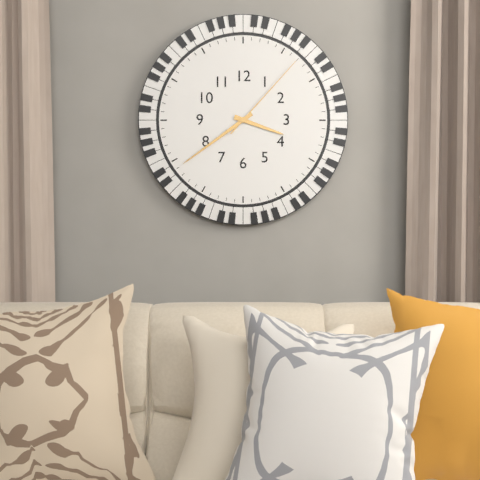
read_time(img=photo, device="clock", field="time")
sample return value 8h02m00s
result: 3h39m07s
